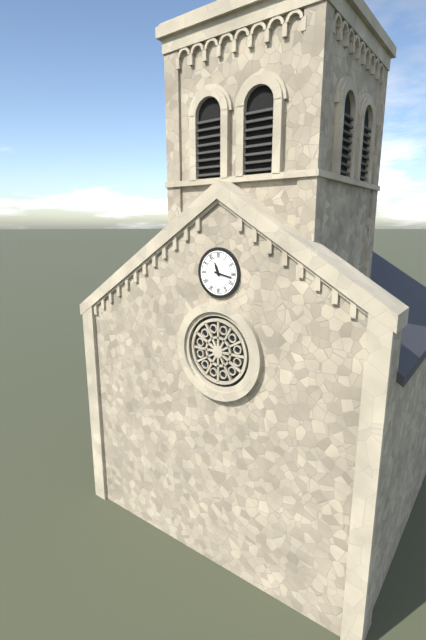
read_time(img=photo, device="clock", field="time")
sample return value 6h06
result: 11h17
